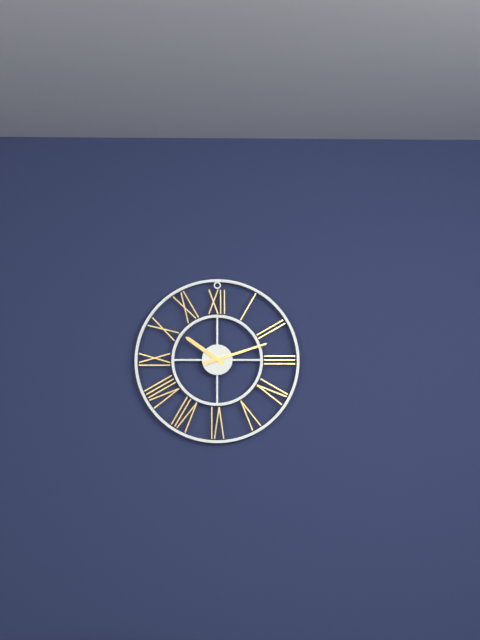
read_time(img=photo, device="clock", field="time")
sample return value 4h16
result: 10h12
